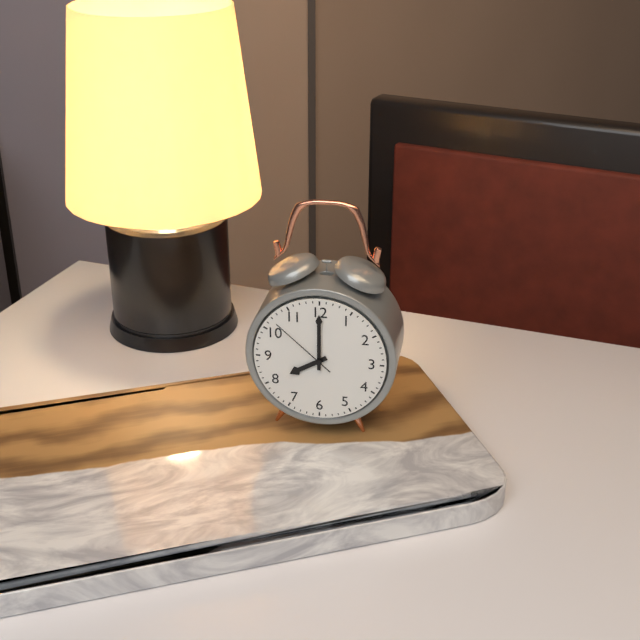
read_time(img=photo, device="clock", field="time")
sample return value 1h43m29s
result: 8h00m52s
